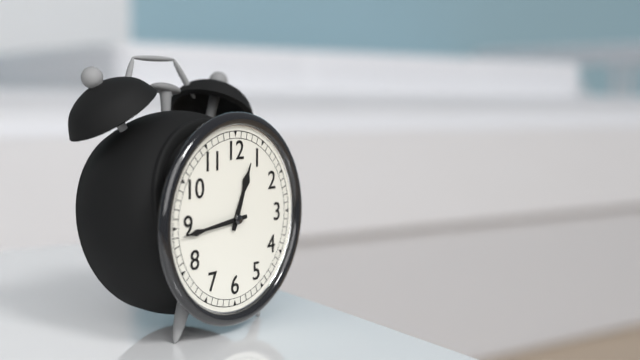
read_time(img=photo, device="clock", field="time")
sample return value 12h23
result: 12h44
